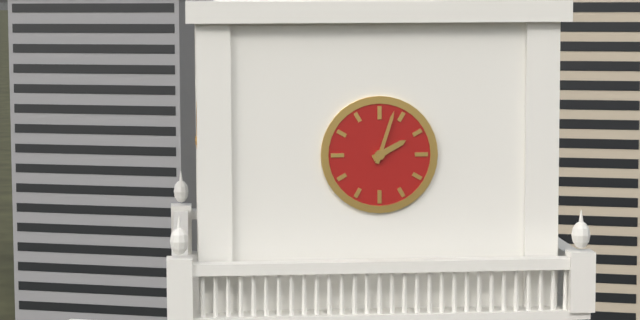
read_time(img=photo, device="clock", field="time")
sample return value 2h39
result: 2h03
